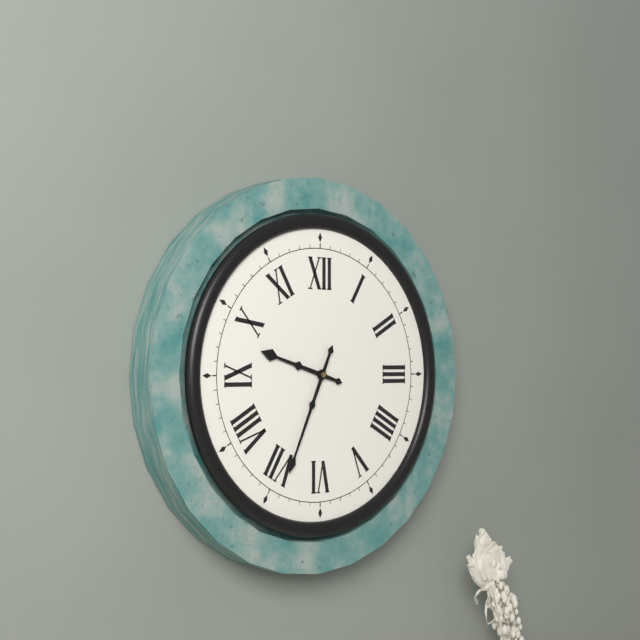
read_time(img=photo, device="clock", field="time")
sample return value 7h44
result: 9h34
